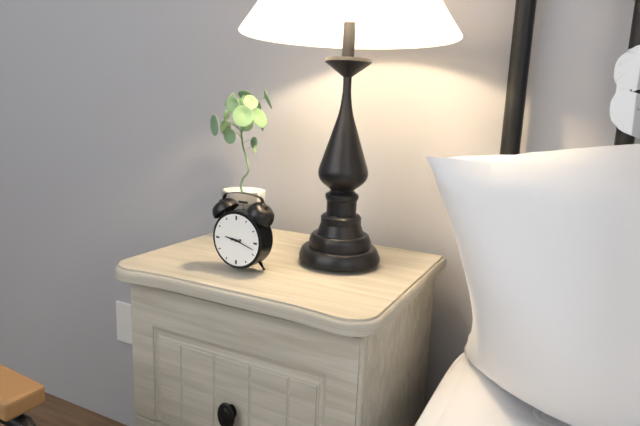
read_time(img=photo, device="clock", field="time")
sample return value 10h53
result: 9h18
